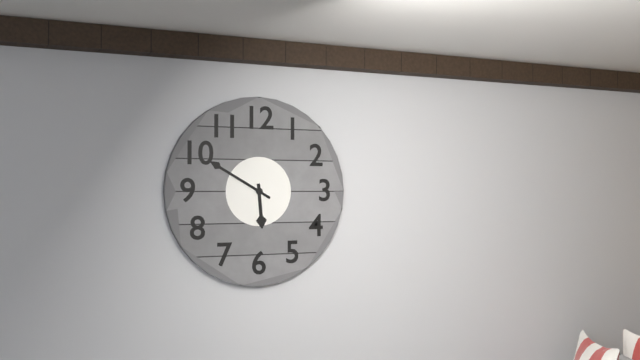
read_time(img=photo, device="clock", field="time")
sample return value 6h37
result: 5h50
